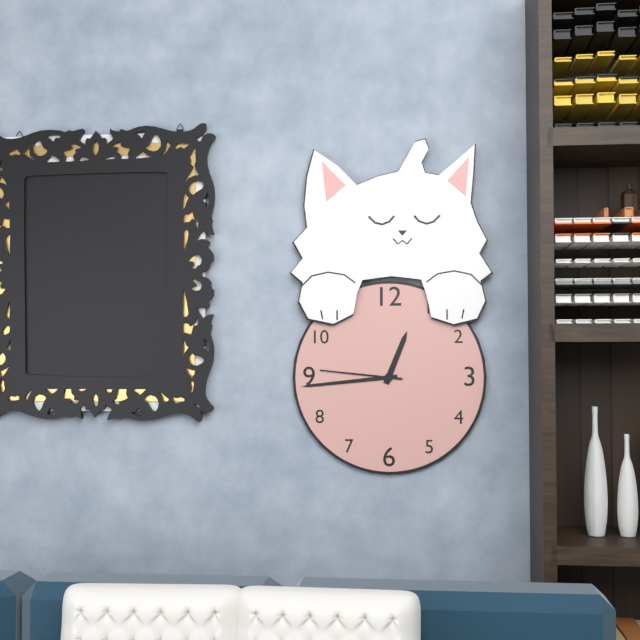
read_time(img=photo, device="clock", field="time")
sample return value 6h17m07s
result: 12h44m46s
